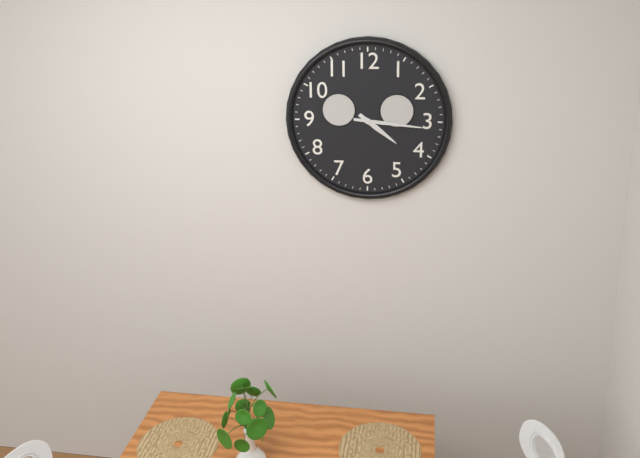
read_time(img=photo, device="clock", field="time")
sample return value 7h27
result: 4h16
